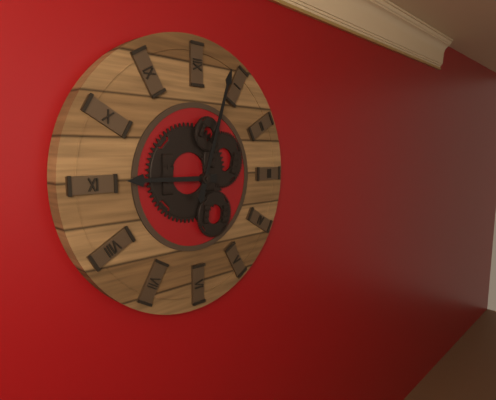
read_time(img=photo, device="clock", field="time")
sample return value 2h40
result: 9h03
